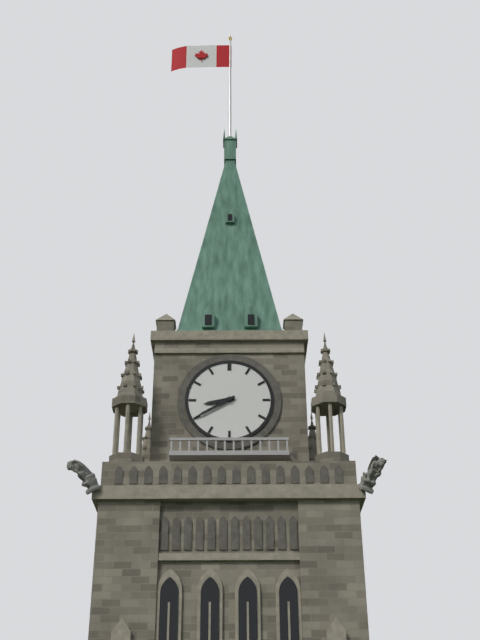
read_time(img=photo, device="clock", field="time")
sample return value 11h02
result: 8h40
